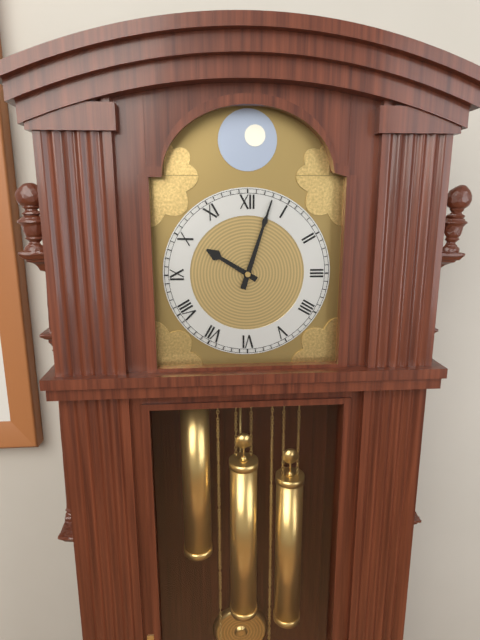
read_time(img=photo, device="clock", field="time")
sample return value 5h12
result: 10h03
